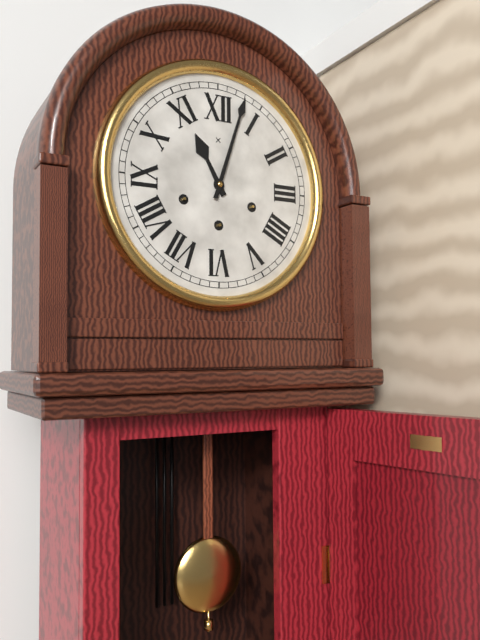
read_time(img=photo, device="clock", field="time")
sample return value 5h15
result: 11h03
